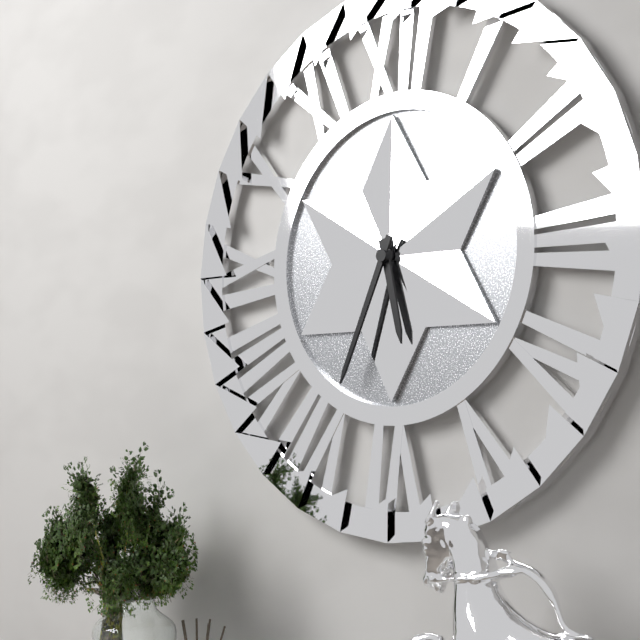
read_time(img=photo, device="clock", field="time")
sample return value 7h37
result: 5h34
